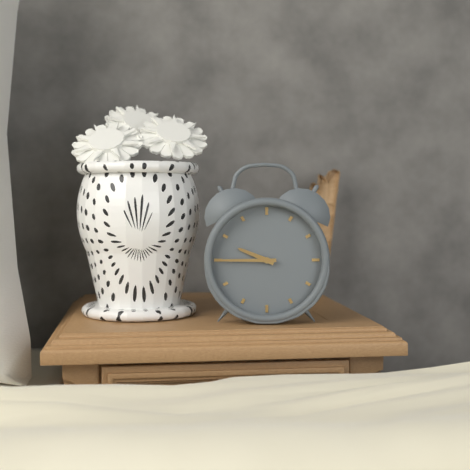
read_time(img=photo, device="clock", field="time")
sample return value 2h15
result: 9h45
